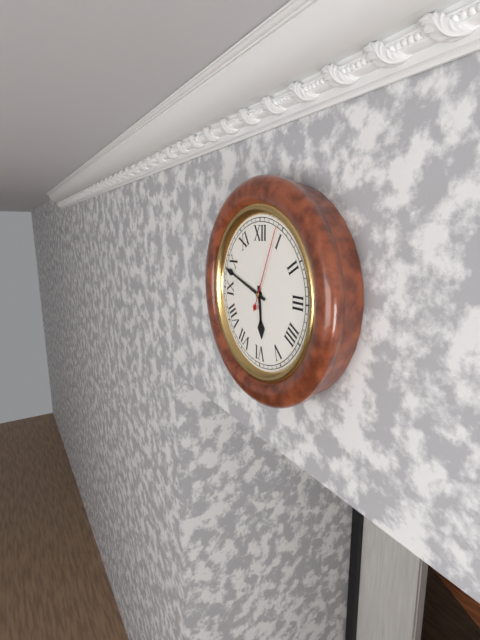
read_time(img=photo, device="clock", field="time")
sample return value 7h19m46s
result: 5h48m04s
